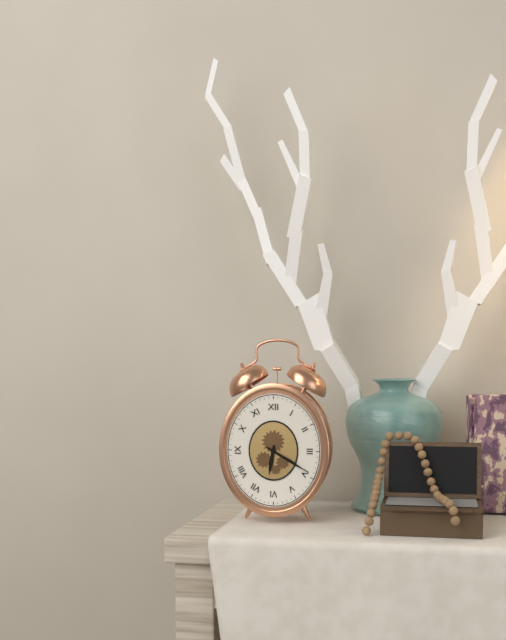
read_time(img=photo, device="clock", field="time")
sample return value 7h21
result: 6h20
